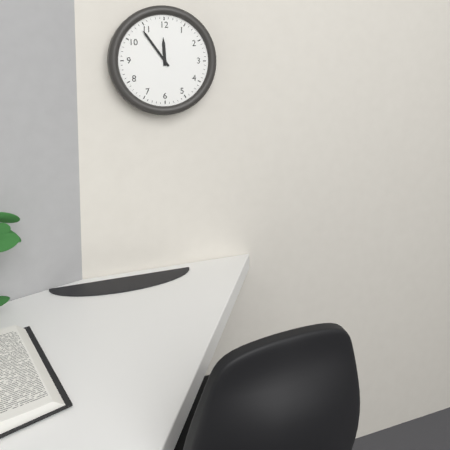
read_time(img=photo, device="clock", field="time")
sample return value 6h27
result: 11h54
